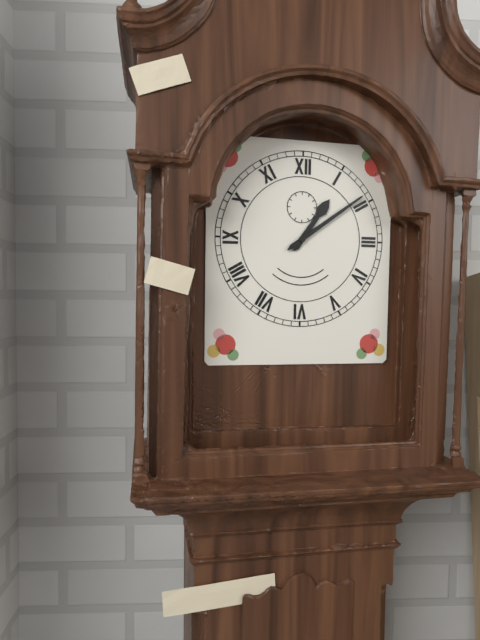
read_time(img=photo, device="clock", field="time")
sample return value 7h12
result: 1h09
